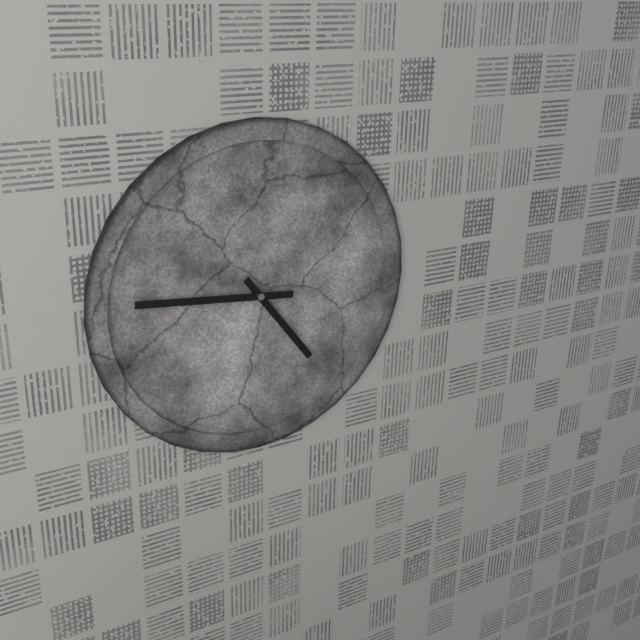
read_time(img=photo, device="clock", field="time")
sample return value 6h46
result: 4h46
